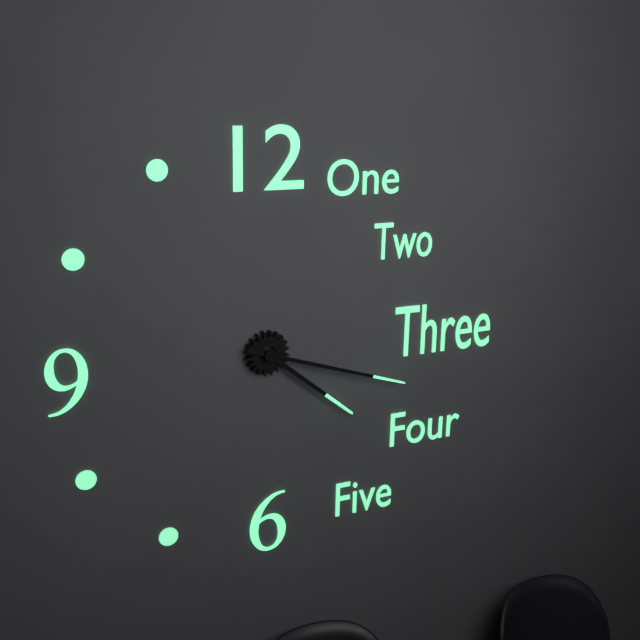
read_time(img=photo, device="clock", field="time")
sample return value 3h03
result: 4h18
